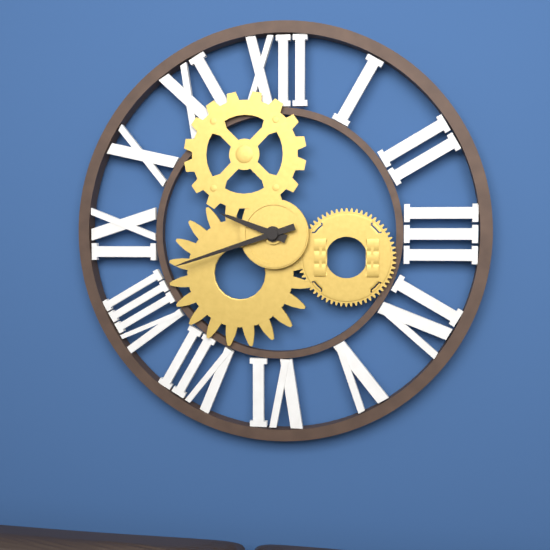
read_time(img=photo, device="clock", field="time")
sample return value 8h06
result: 9h42
